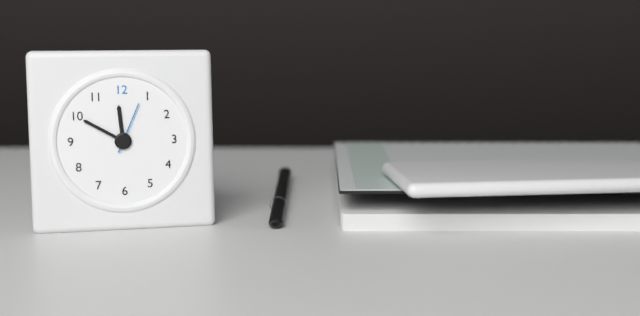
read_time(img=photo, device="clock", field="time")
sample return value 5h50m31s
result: 11h50m04s
